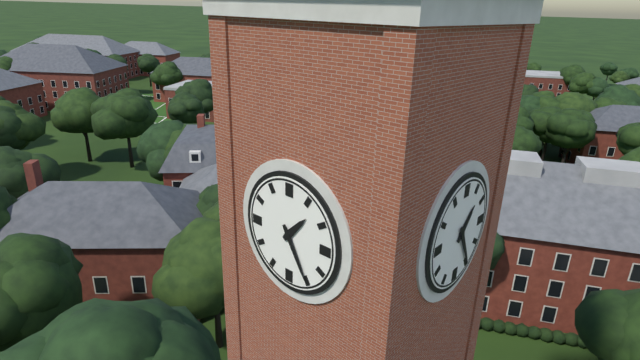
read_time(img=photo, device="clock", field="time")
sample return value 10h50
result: 1h25
